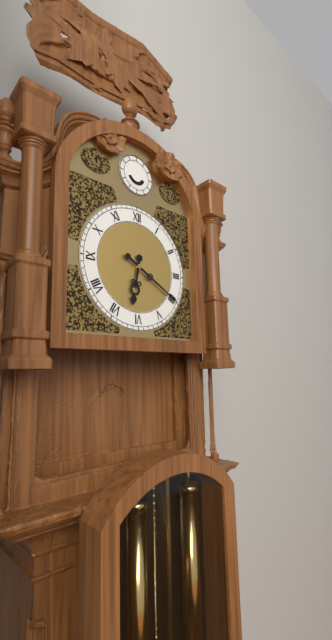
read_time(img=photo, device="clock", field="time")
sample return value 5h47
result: 6h20
